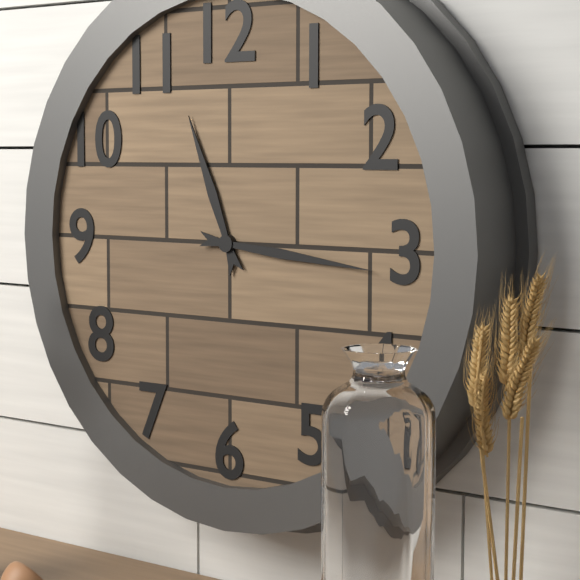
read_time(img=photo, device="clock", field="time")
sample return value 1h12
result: 11h16
